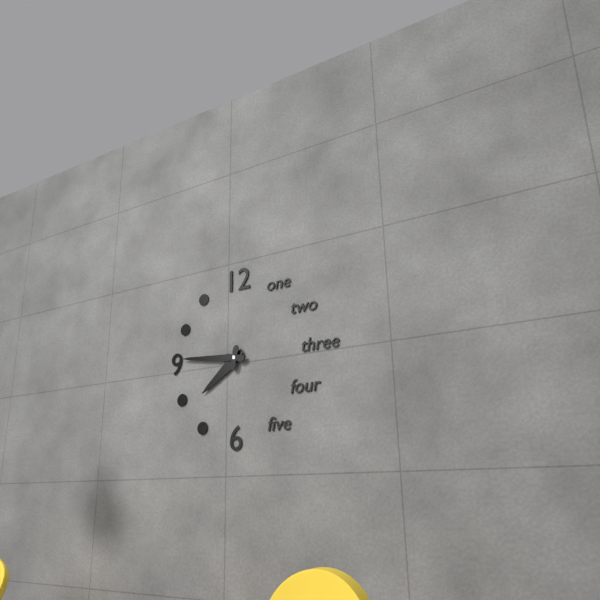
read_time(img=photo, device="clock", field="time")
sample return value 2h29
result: 7h46
